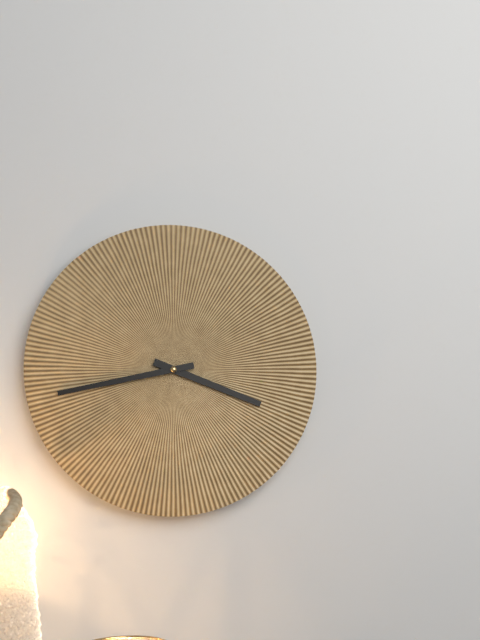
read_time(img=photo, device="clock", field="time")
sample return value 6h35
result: 3h43
